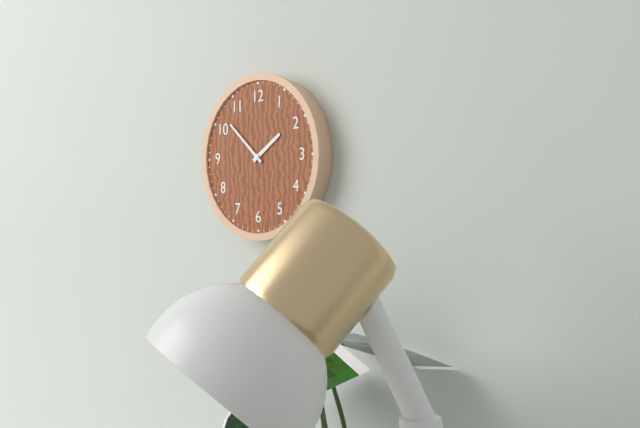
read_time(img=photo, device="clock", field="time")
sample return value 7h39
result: 1h52
